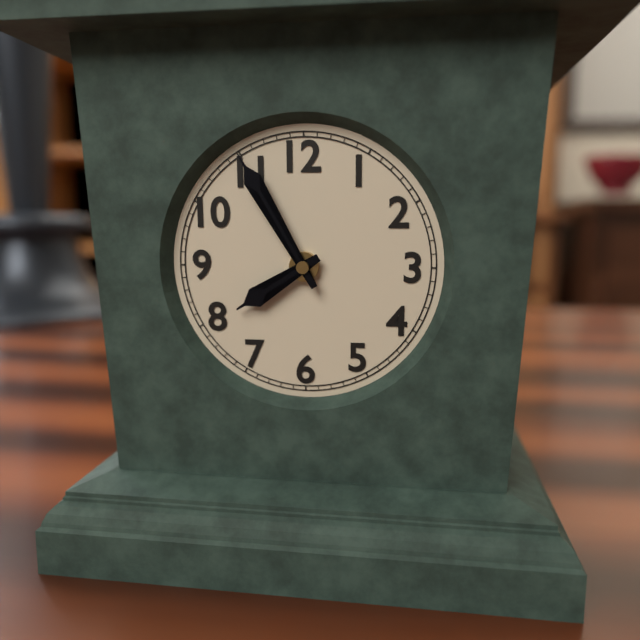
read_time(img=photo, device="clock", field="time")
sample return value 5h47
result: 7h55
